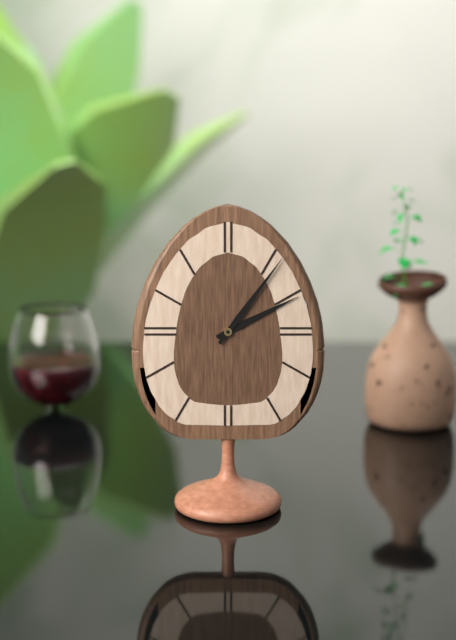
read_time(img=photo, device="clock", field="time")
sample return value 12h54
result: 2h06
